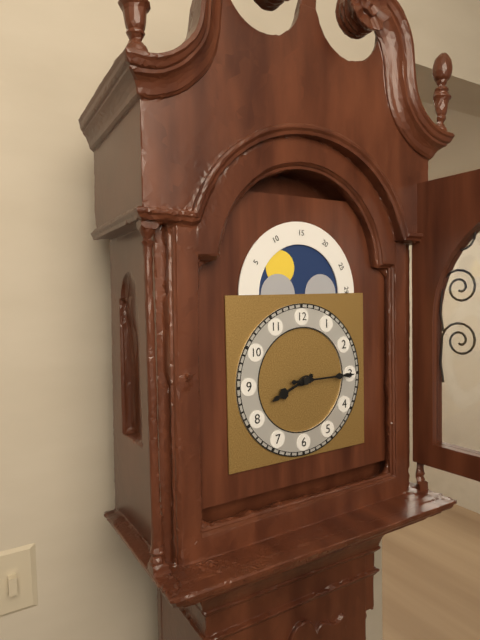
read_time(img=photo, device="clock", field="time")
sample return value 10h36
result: 8h15
